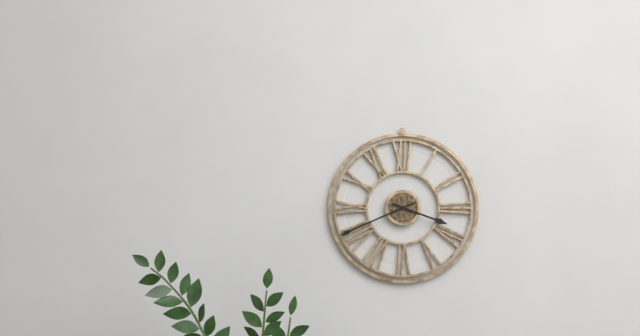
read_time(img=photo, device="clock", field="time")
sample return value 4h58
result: 3h41
